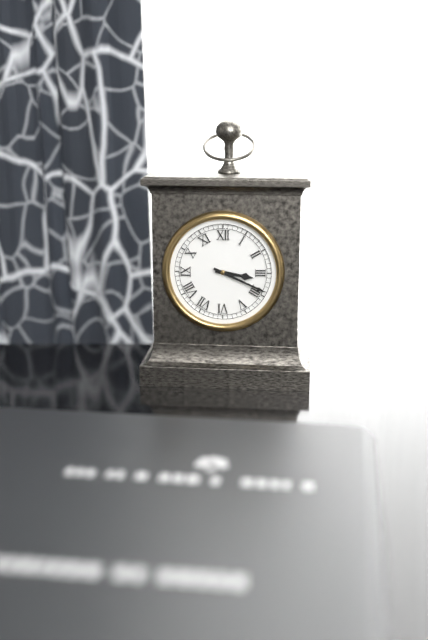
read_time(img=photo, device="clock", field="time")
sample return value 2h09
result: 3h19
